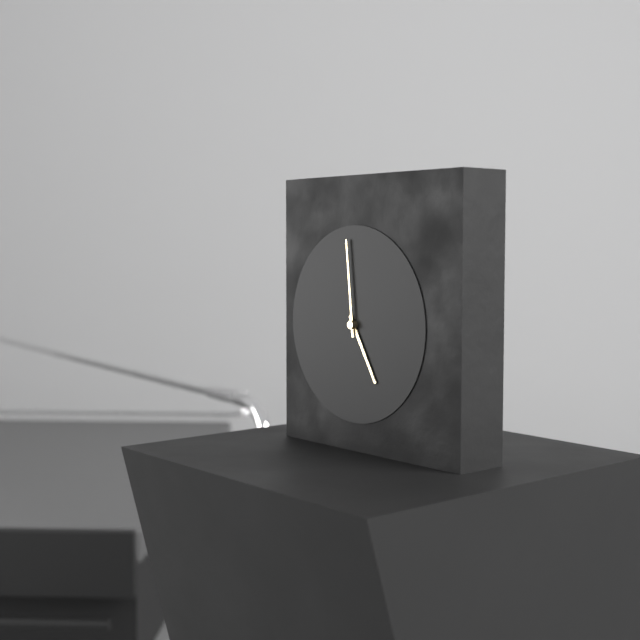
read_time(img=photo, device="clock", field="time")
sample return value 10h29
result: 4h59
